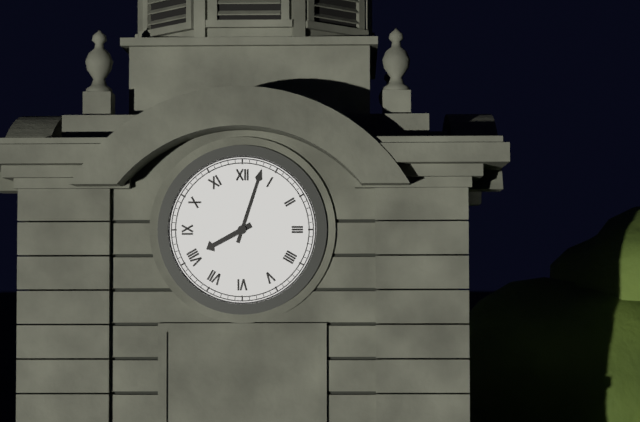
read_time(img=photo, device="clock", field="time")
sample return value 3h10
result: 8h03
